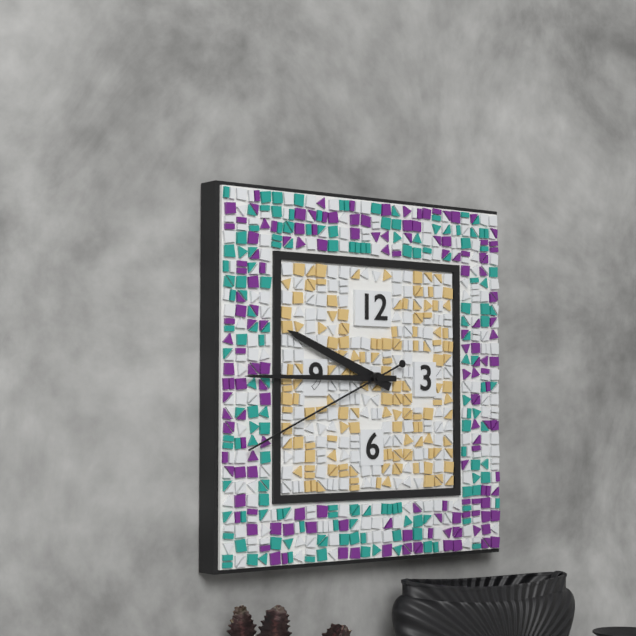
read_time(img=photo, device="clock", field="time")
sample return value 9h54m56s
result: 9h45m41s
